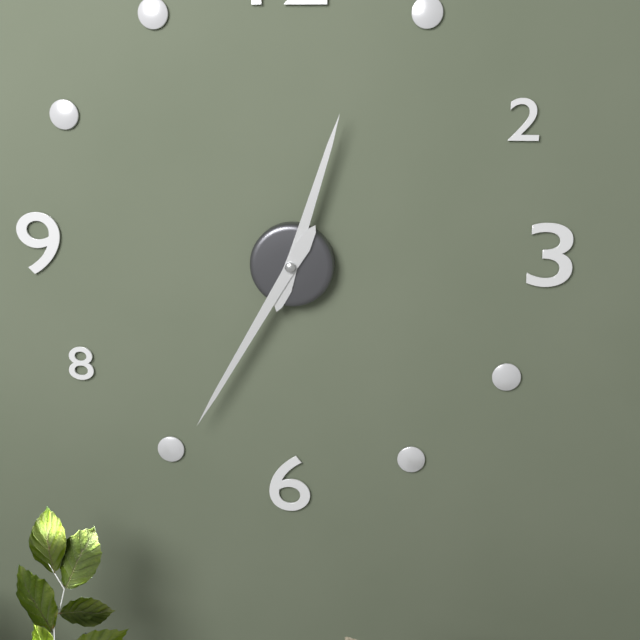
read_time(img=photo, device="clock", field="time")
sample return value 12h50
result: 12h35
